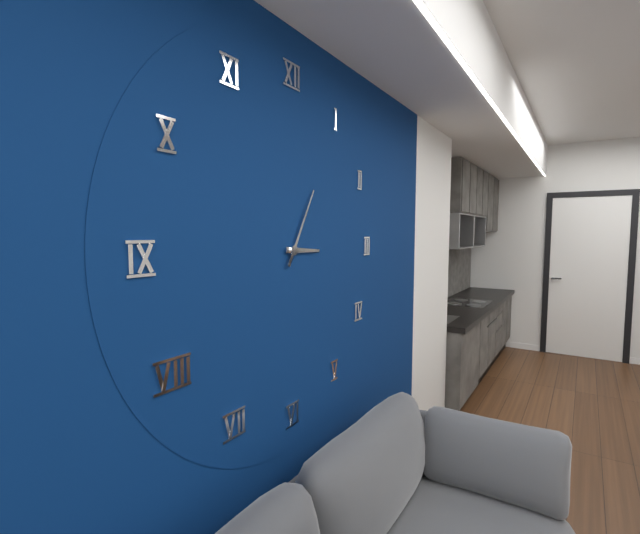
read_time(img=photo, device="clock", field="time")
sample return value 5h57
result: 3h05
